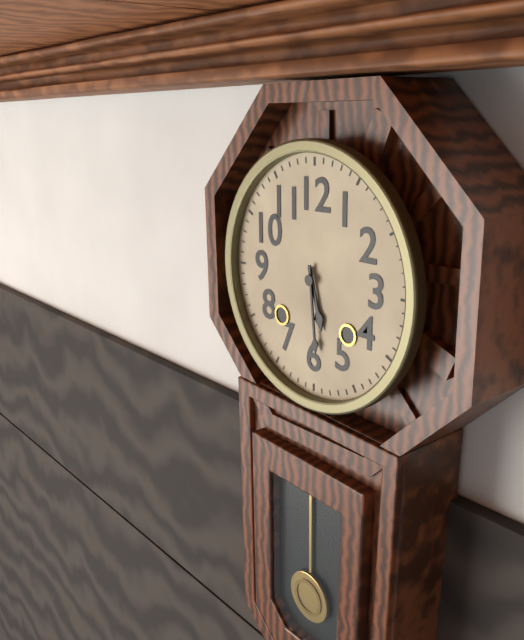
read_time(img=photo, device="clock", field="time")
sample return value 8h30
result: 5h29
